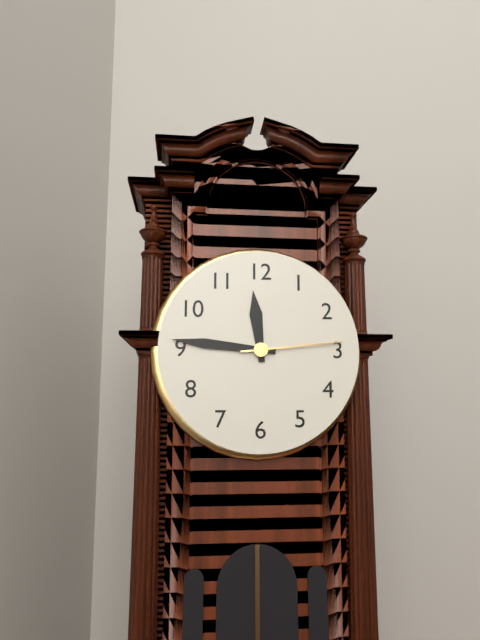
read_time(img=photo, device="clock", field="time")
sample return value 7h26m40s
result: 11h46m14s
